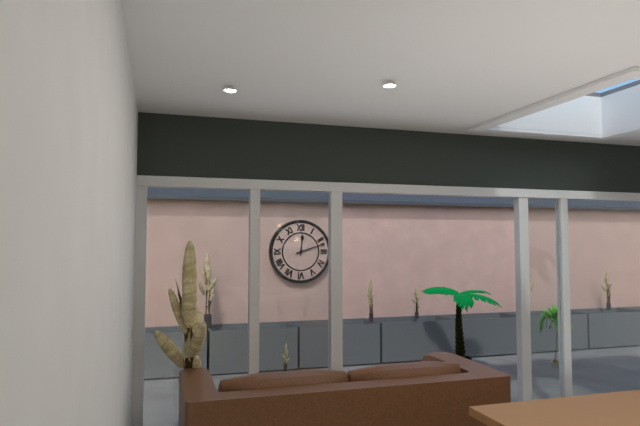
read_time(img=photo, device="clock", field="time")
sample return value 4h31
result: 12h12
